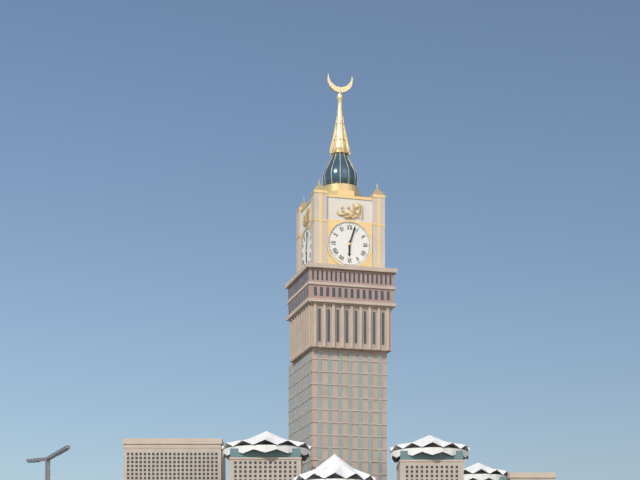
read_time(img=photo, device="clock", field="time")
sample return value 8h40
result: 6h03
